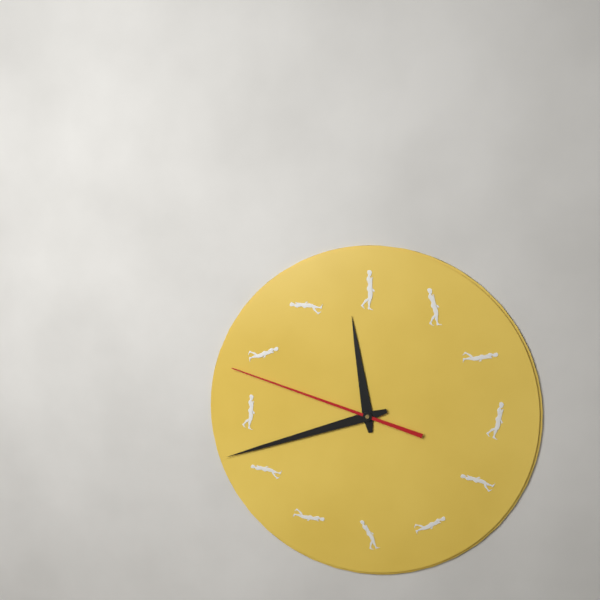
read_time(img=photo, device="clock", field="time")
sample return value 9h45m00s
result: 11h42m48s
